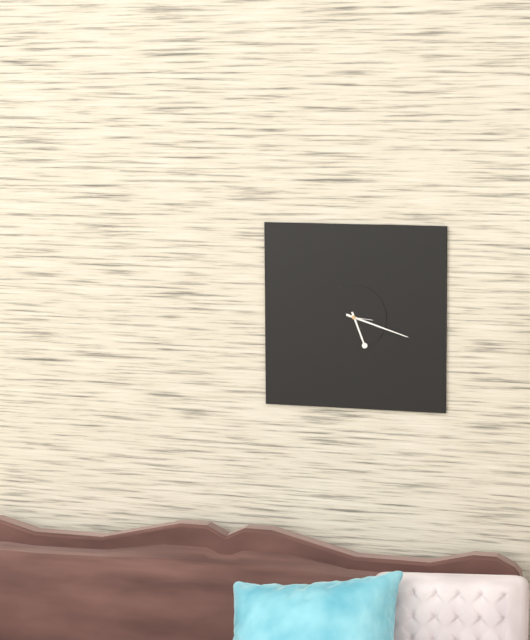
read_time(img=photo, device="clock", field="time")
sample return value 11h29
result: 5h18
